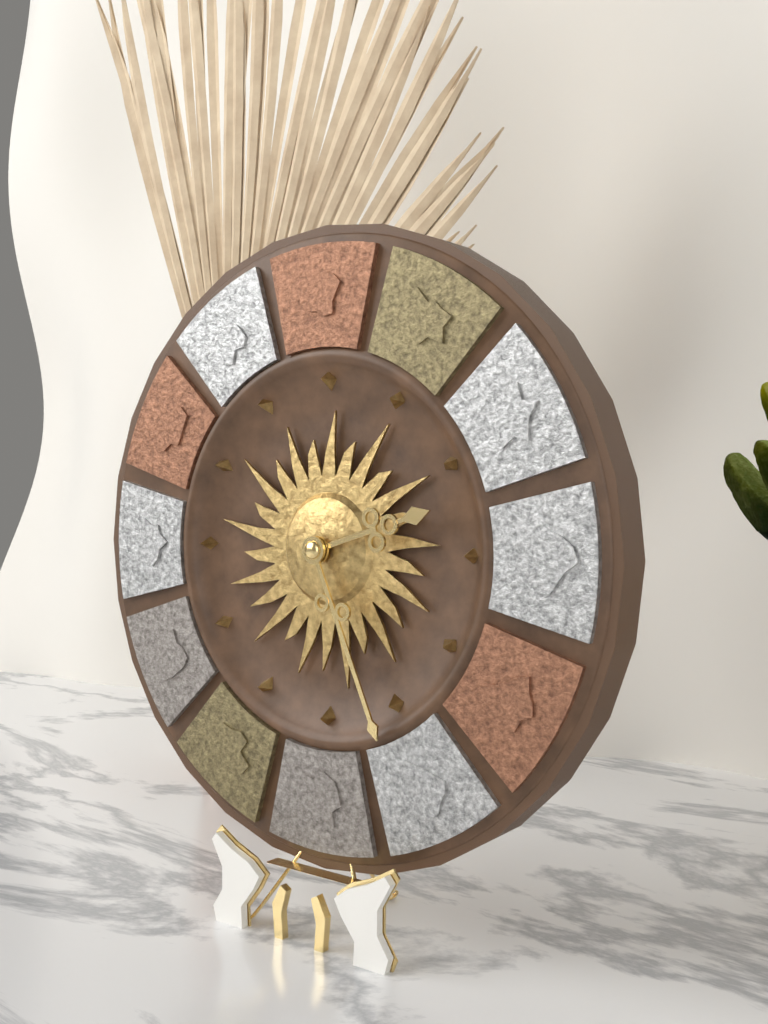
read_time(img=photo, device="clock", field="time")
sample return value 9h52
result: 2h26
